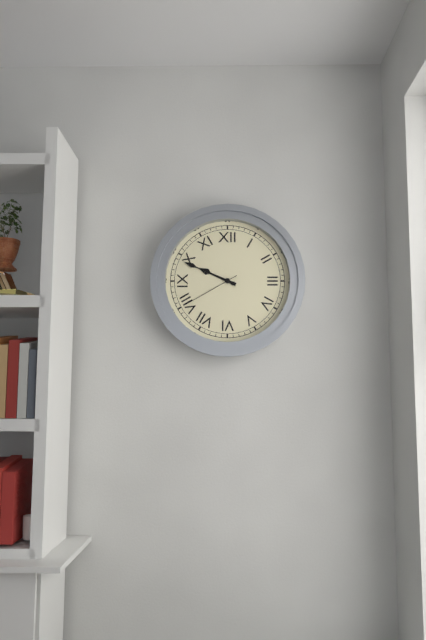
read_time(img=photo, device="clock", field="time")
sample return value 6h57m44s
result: 9h49m40s
